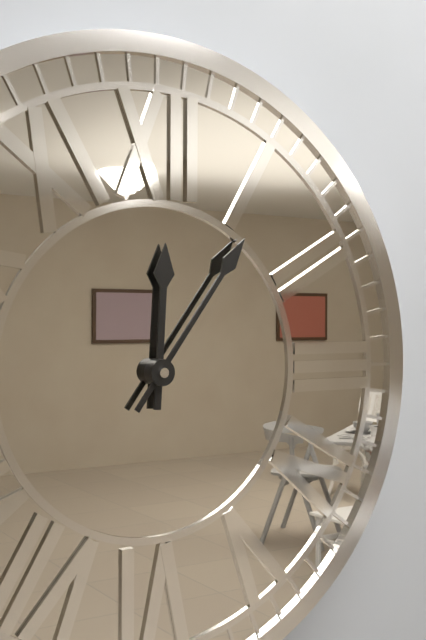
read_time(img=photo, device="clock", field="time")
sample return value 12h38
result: 12h06
